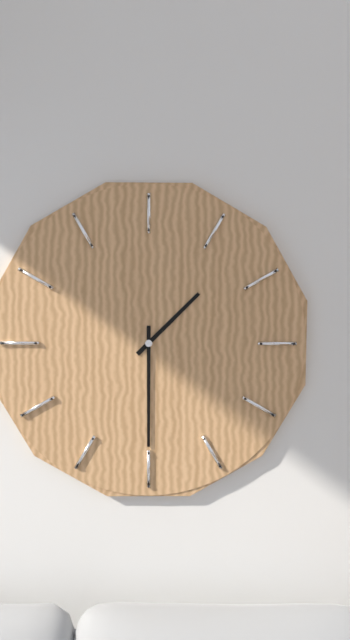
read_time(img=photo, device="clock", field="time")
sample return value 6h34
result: 1h30
